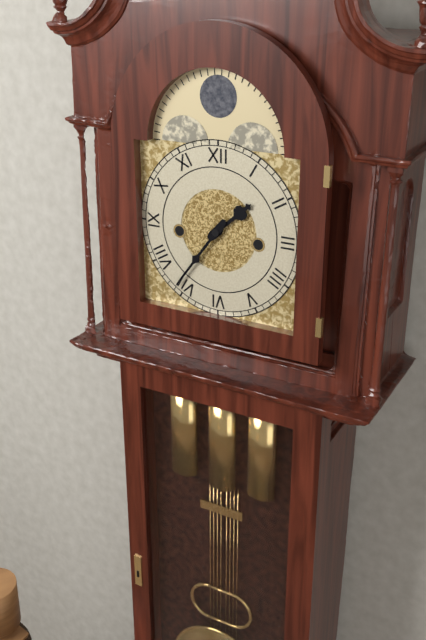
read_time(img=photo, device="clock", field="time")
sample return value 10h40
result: 1h36
